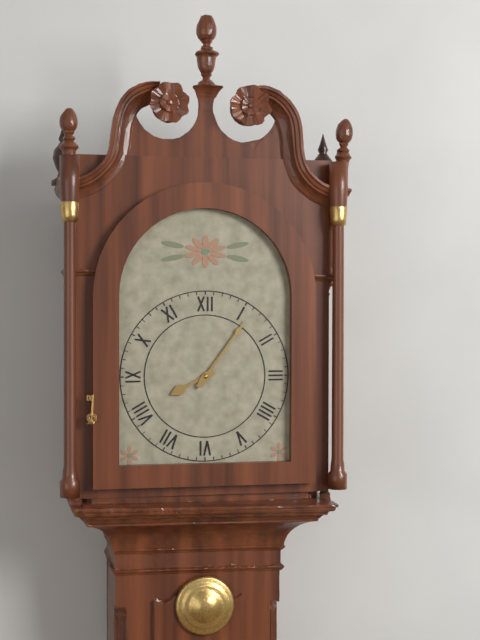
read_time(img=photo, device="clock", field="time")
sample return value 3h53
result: 8h06
